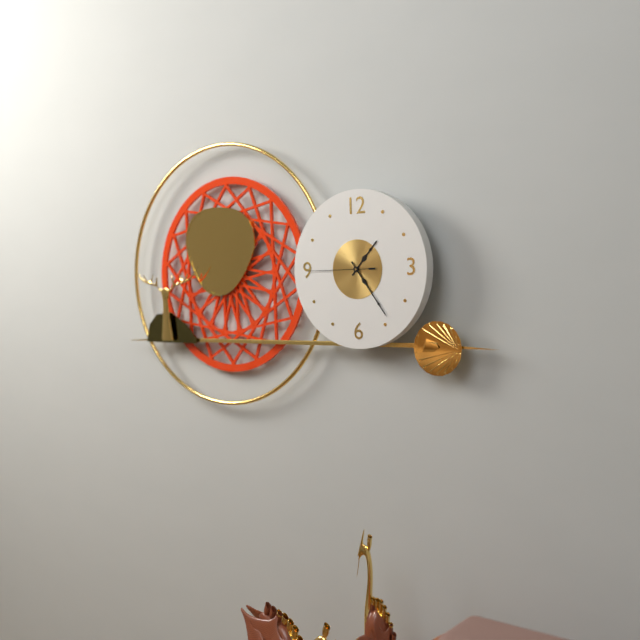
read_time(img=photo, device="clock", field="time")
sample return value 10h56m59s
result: 1h24m45s
